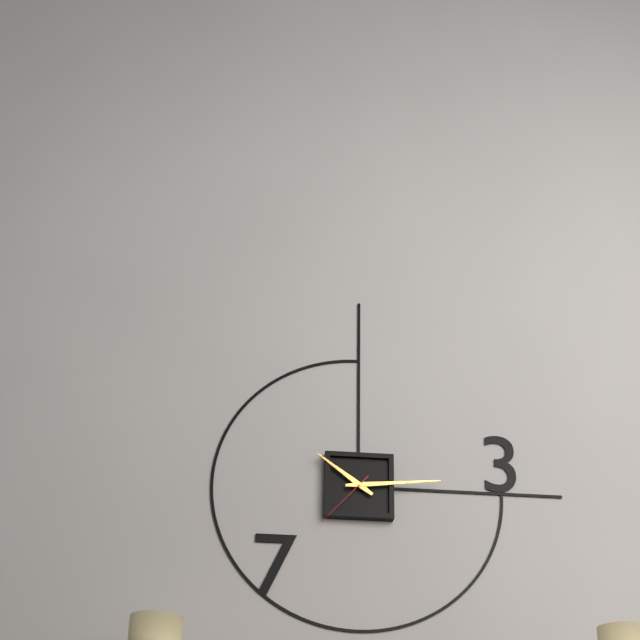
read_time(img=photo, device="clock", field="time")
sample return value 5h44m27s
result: 10h14m37s
